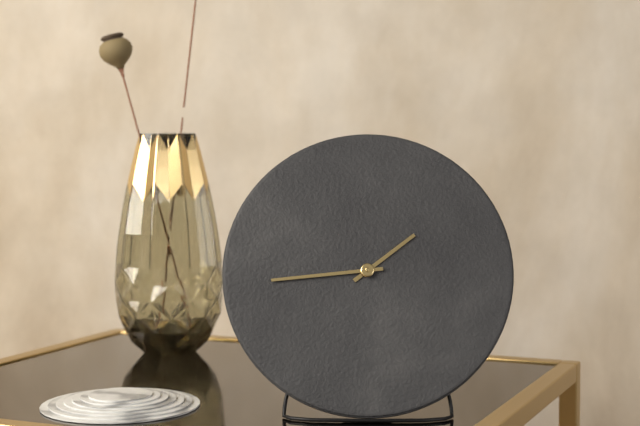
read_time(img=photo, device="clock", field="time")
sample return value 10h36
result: 1h44
